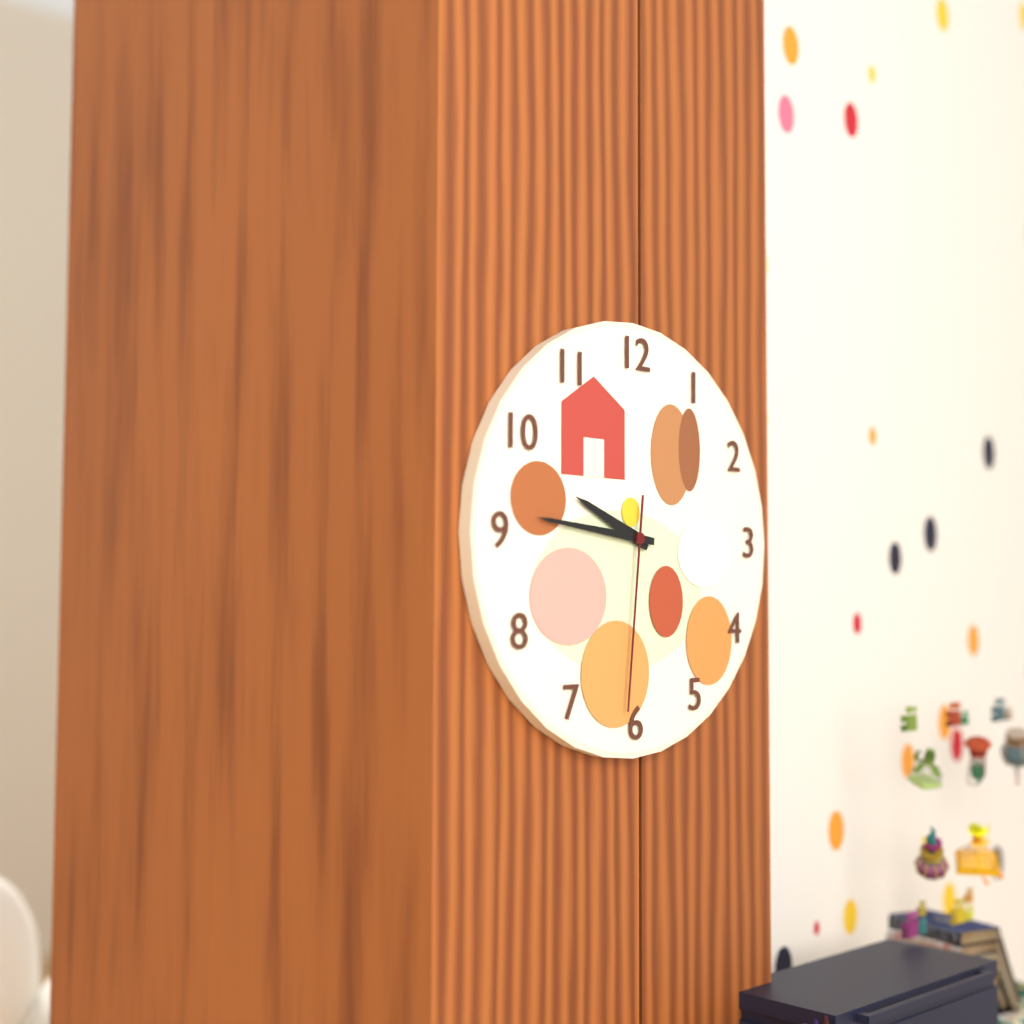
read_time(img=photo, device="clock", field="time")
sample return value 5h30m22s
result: 9h46m31s
